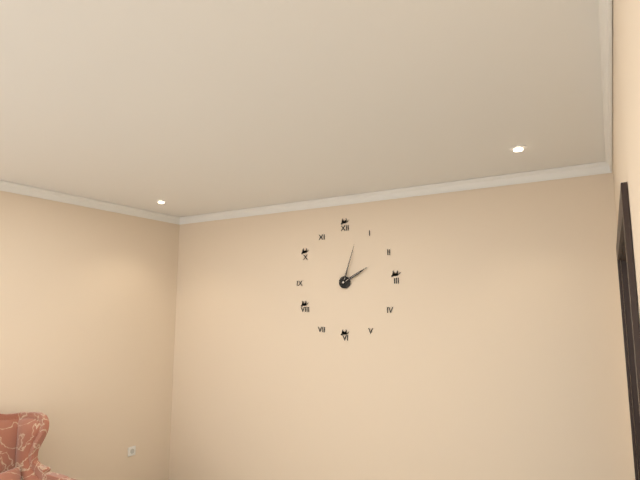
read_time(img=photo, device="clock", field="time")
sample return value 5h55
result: 2h03
